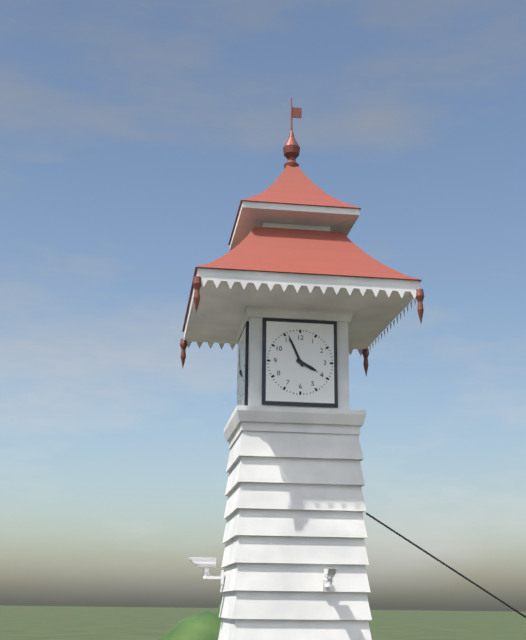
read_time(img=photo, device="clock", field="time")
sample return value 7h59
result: 3h56
